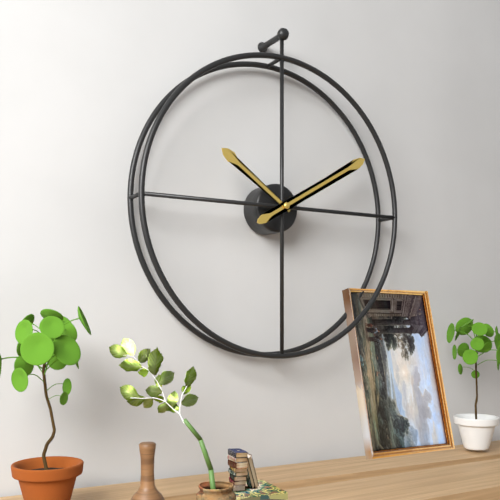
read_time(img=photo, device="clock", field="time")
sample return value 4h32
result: 10h10
